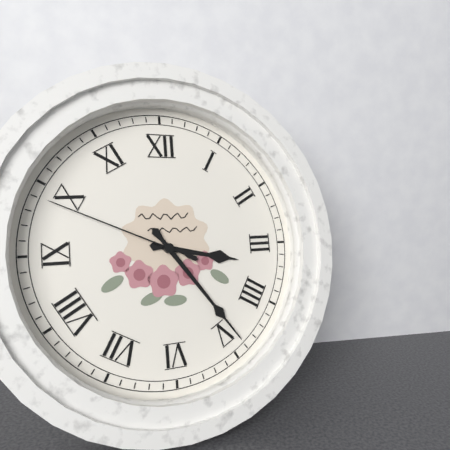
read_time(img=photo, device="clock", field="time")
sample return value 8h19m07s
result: 3h24m49s
